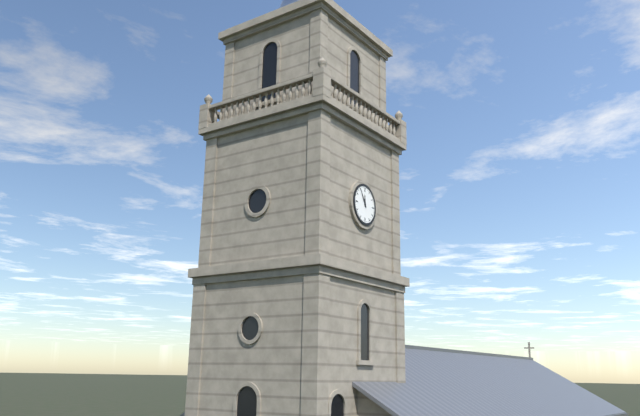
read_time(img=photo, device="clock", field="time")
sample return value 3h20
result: 11h55
